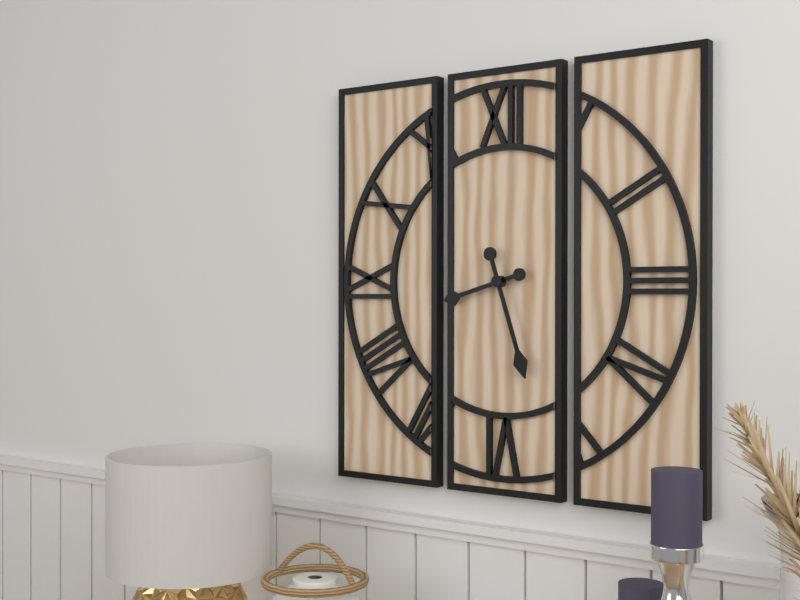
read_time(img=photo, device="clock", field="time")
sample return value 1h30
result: 8h27
